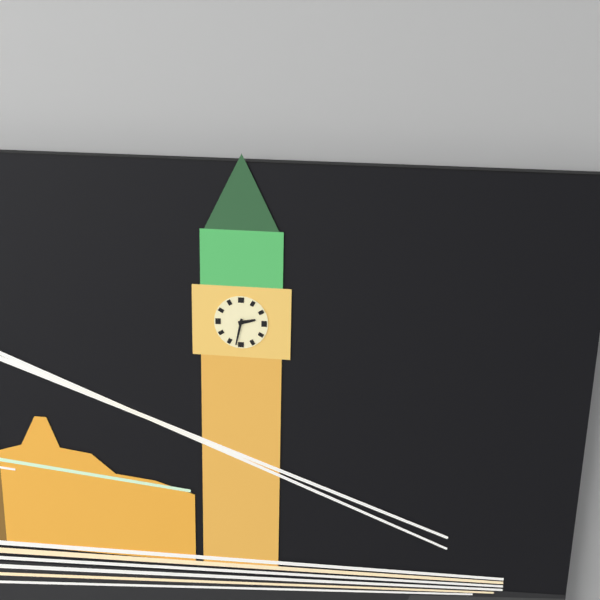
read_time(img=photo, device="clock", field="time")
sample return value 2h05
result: 2h32
